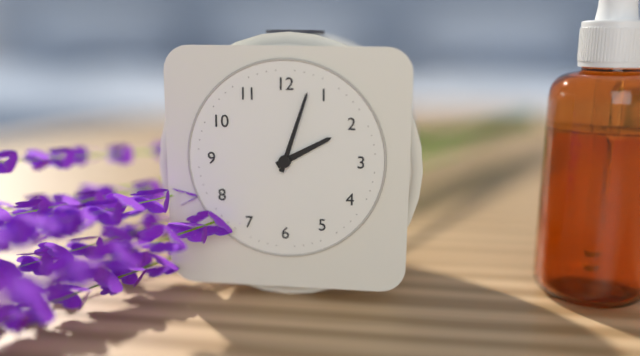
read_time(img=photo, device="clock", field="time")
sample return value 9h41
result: 2h03
